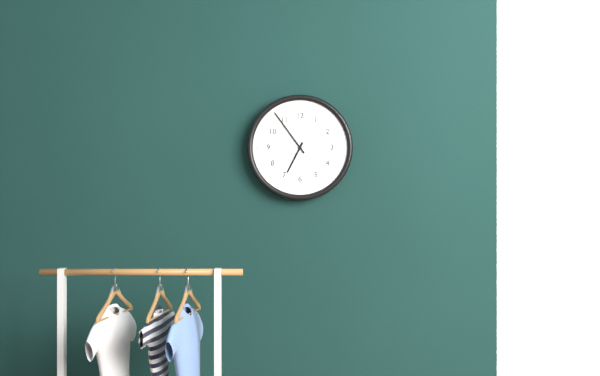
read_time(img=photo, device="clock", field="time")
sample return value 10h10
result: 6h54
